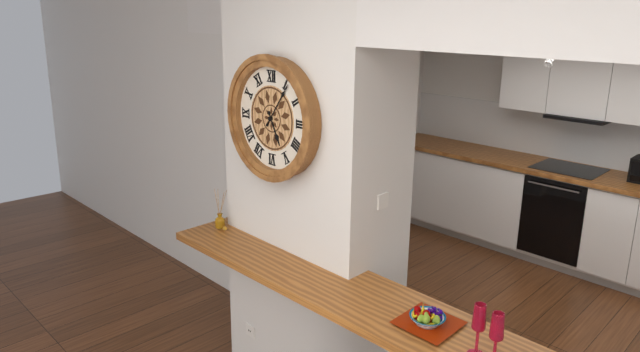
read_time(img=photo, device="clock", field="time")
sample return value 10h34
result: 5h06
